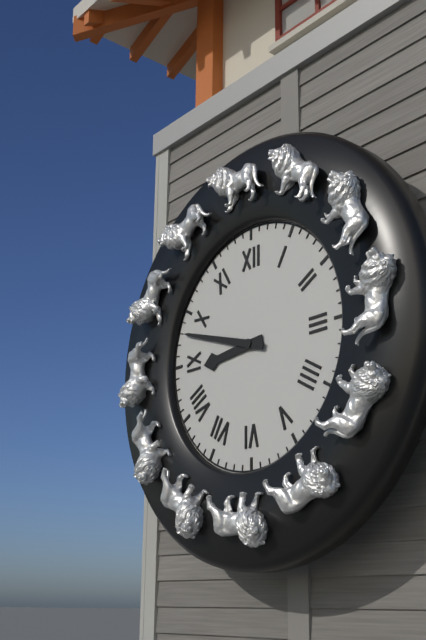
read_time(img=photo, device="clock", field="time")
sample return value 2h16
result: 8h48
